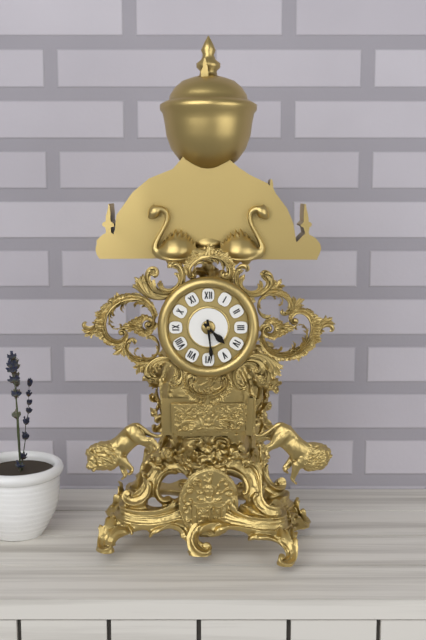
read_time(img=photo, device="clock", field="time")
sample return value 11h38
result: 4h29
